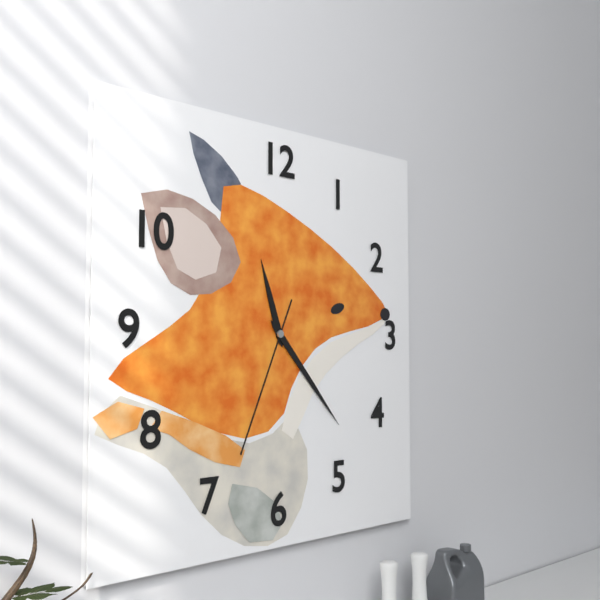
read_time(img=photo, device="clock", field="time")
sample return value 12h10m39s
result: 11h23m34s
